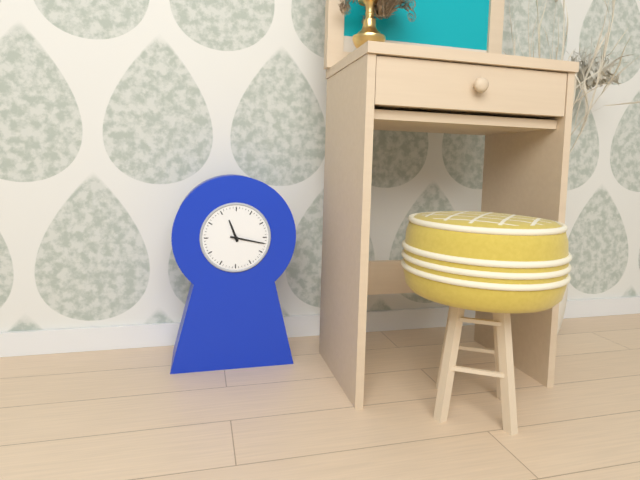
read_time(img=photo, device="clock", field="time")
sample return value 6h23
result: 11h17
